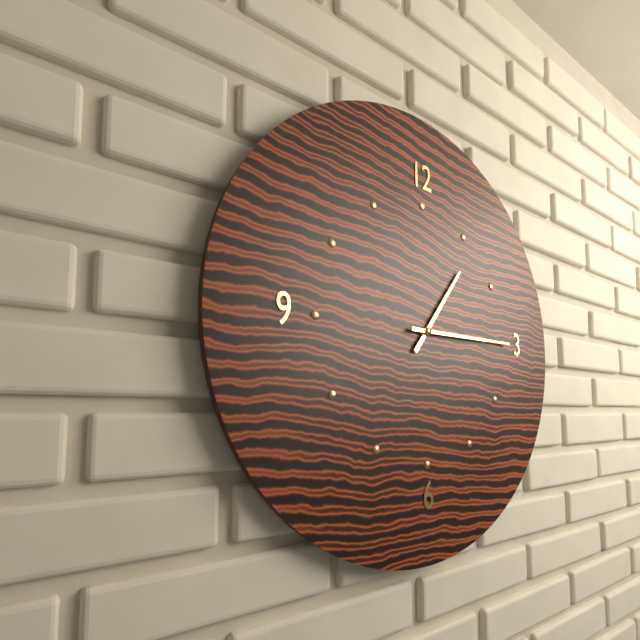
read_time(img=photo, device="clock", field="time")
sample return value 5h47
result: 1h15
